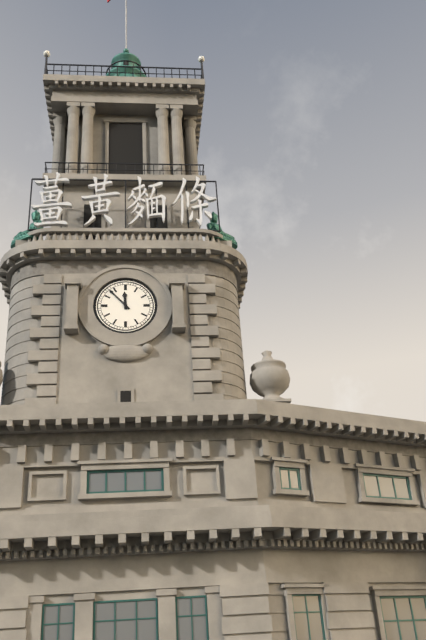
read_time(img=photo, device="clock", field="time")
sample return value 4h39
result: 11h53
